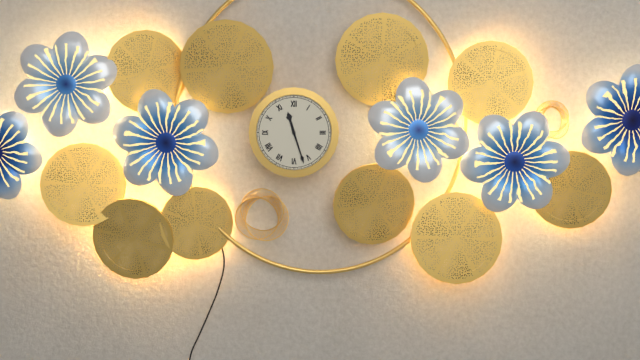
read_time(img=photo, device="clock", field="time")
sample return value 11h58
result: 11h27
